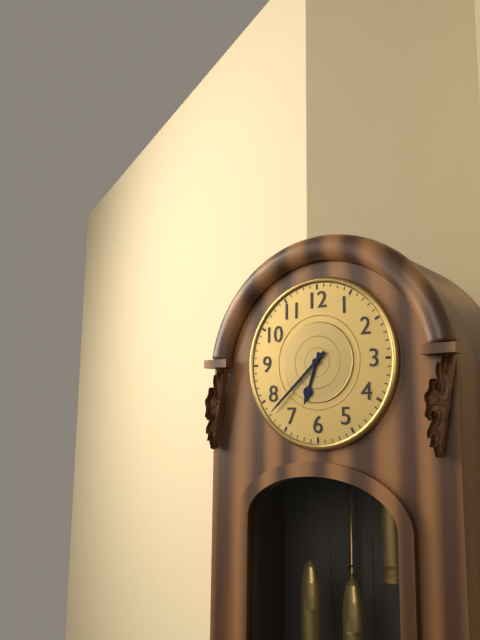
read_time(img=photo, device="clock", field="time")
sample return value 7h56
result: 6h38
